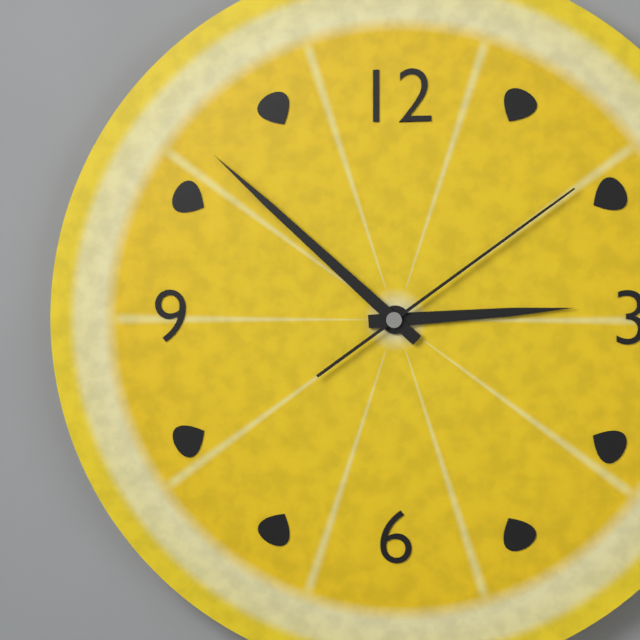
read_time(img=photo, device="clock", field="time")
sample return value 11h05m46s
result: 2h52m09s
